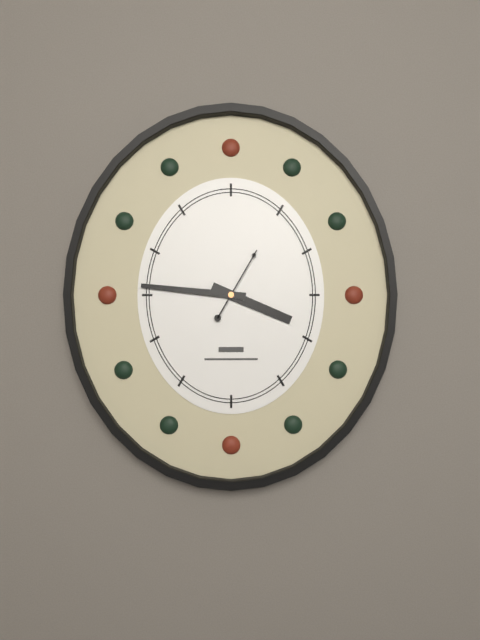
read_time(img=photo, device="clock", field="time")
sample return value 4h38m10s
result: 3h46m05s
